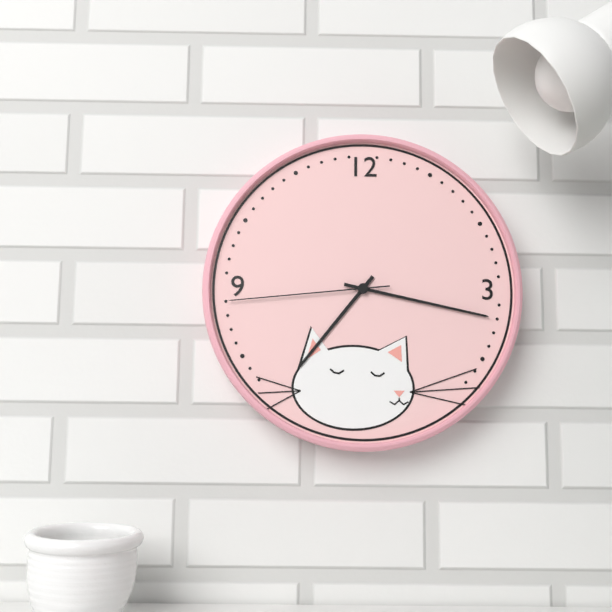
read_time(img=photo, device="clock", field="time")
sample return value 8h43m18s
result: 7h17m44s
